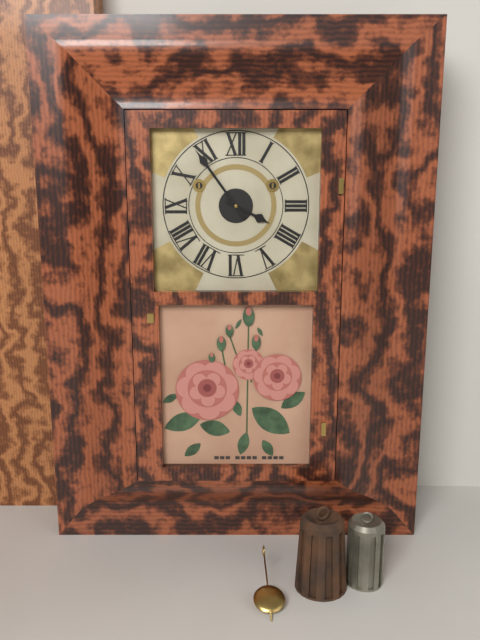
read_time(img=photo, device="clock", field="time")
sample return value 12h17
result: 3h54
